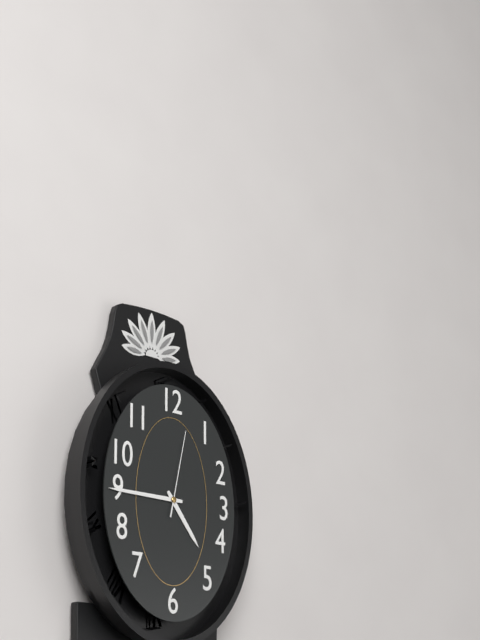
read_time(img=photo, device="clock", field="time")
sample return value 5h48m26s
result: 4h45m02s
